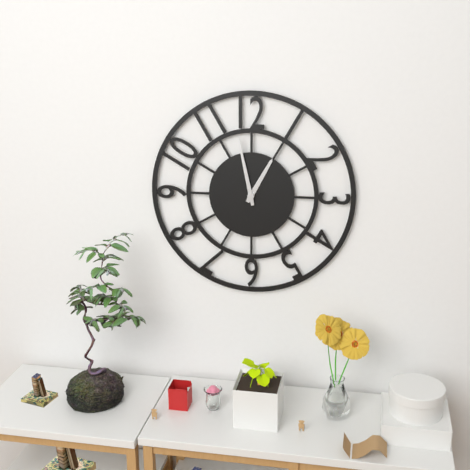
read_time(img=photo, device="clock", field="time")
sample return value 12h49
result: 12h58
